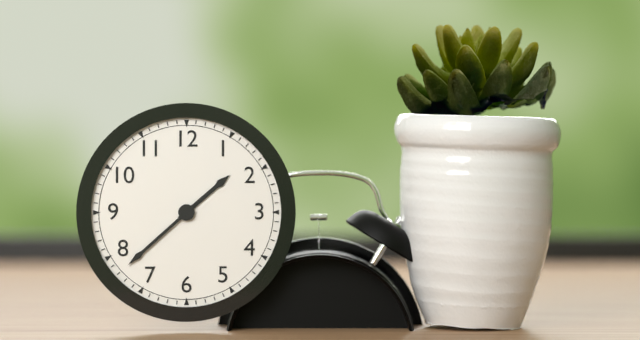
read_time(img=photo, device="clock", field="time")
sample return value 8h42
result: 1h38
